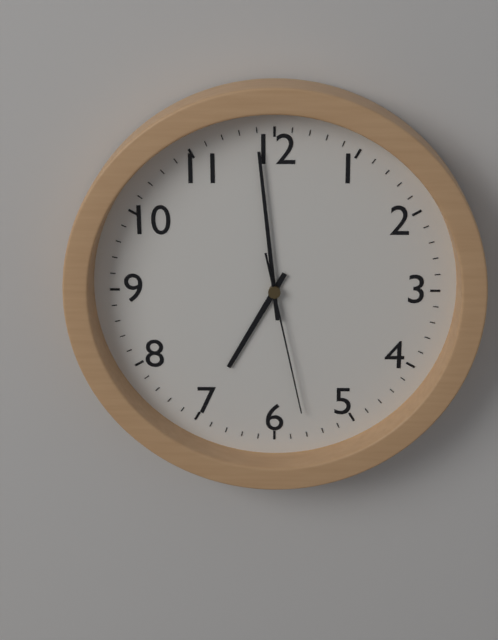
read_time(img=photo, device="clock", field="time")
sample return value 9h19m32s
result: 6h59m28s
